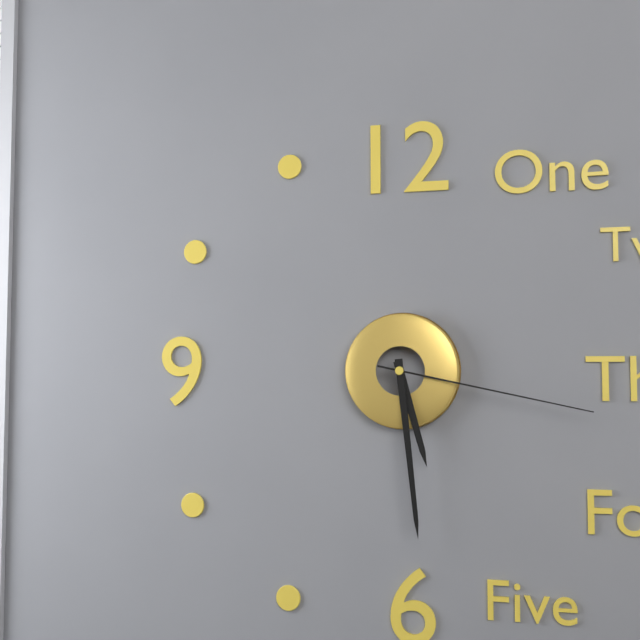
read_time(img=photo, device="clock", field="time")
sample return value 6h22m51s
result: 5h29m17s
